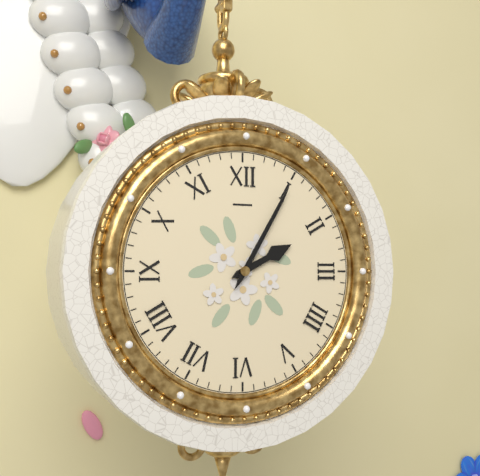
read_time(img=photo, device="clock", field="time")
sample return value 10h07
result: 2h05
